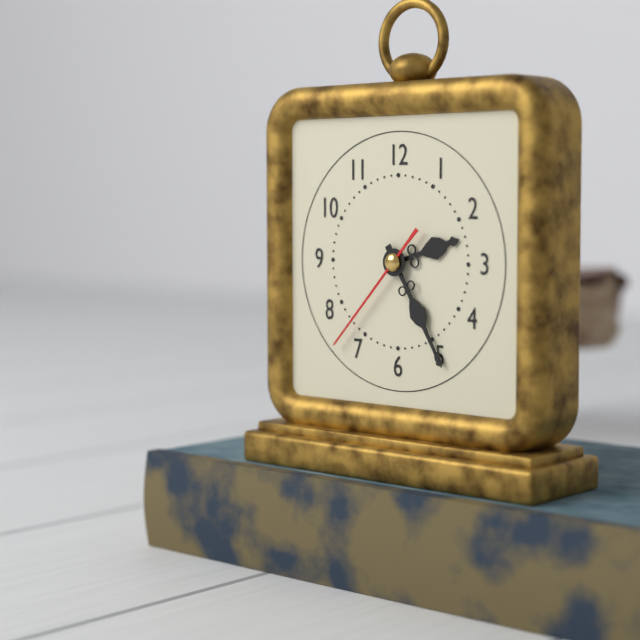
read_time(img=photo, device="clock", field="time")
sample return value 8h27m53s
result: 2h25m37s
